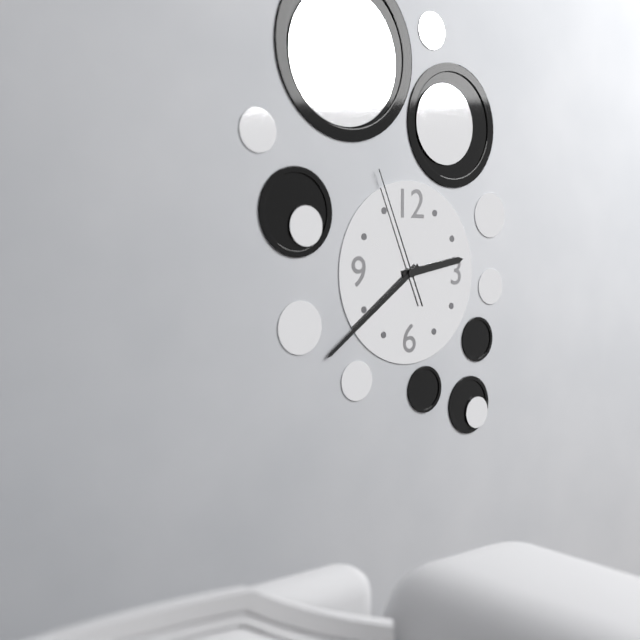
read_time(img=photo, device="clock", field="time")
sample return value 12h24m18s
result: 2h39m56s
